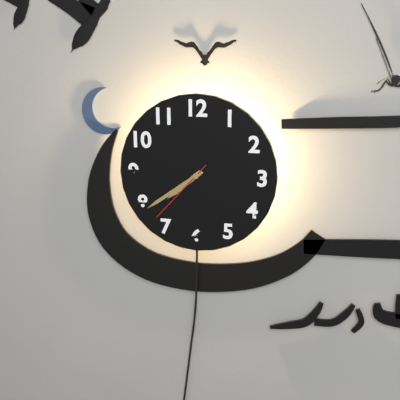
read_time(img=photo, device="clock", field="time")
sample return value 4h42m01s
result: 7h39m37s
